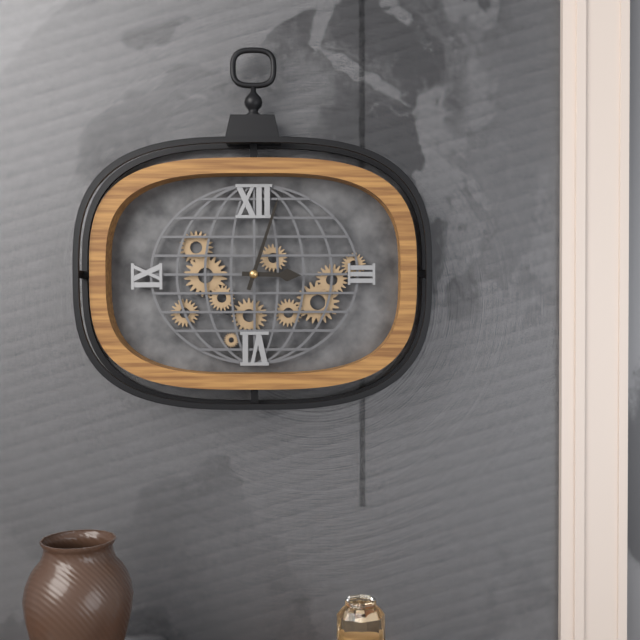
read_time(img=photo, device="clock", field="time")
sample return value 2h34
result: 3h03
